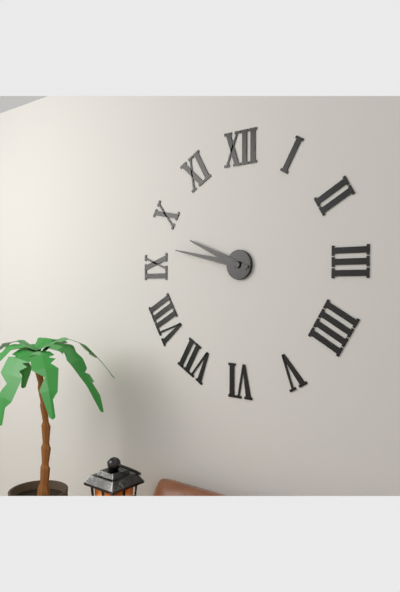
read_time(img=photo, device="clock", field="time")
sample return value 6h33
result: 9h47
